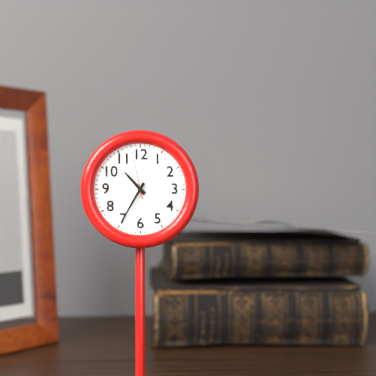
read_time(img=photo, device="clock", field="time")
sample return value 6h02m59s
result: 10h35m58s
